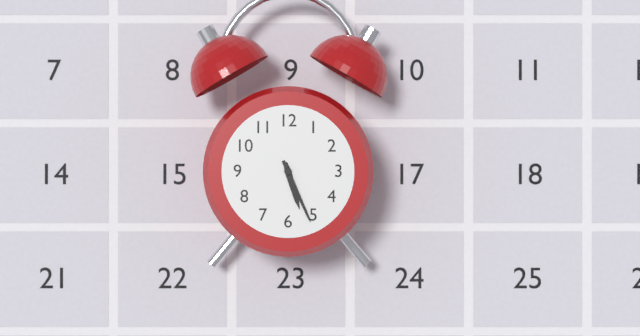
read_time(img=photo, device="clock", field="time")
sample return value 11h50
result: 5h26
